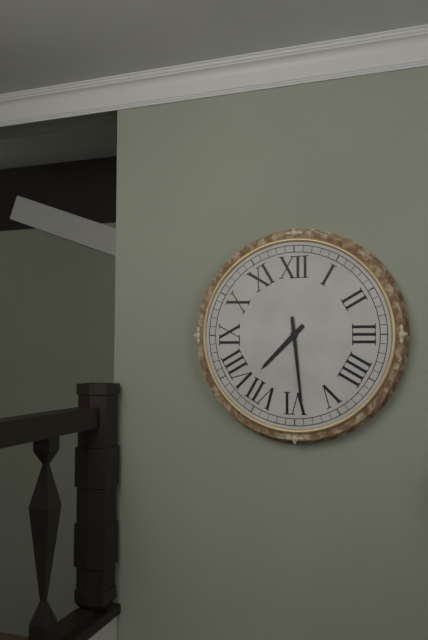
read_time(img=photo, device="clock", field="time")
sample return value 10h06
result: 7h29
